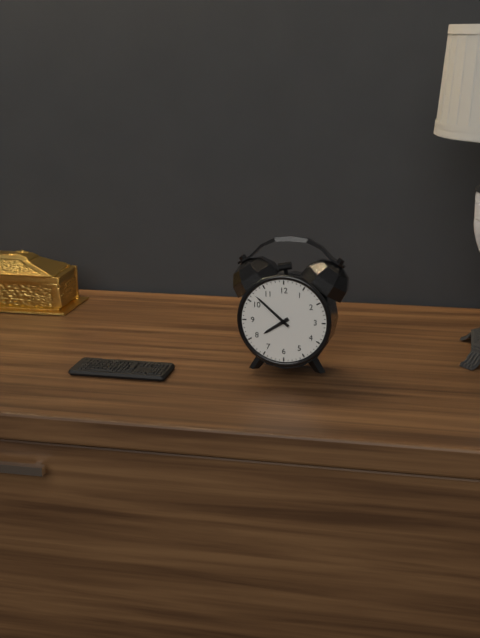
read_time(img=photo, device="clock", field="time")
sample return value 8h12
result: 7h52
